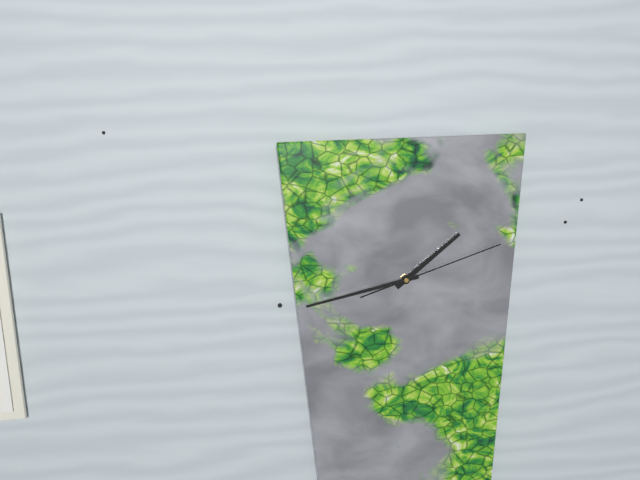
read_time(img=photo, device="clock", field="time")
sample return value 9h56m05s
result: 1h43m12s
